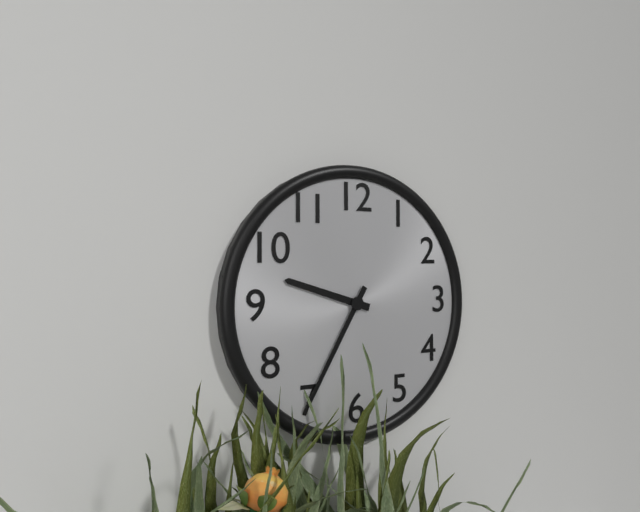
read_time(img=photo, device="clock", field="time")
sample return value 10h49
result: 9h35
